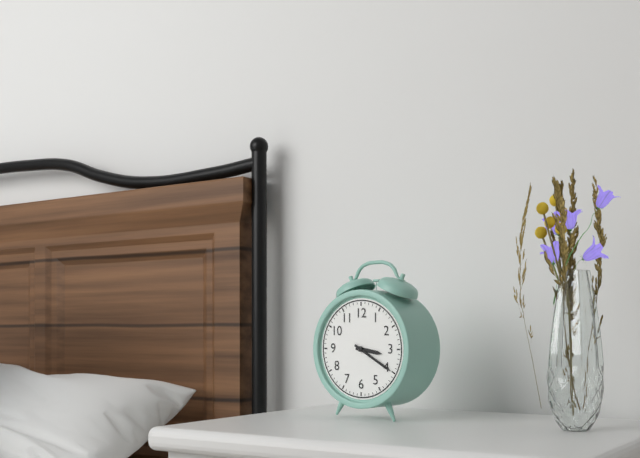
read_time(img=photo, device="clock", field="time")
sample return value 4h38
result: 3h20
